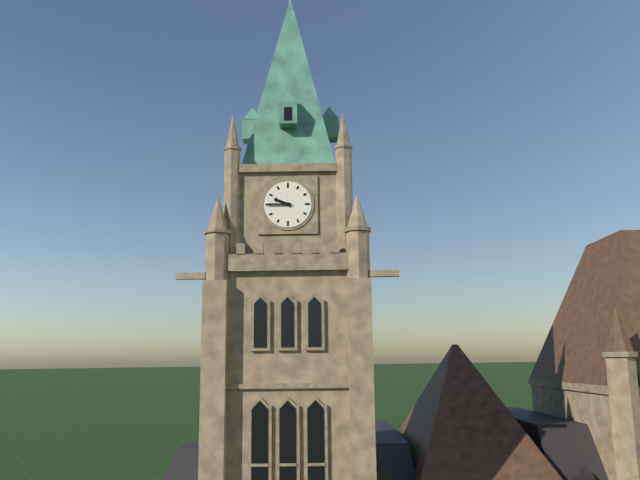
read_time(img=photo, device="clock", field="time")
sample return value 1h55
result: 9h45
